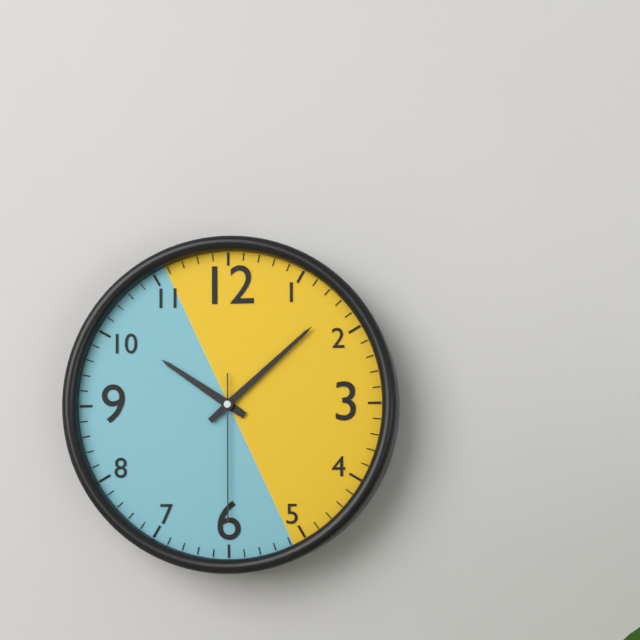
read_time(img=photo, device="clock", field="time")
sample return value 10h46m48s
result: 10h08m30s
